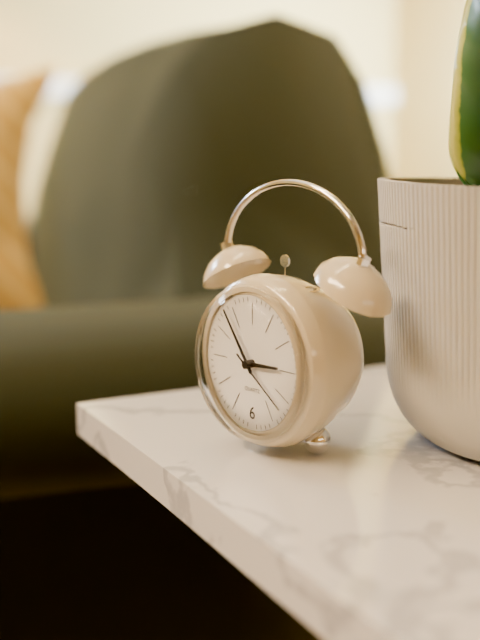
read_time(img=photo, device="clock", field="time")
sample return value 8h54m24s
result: 2h54m21s
